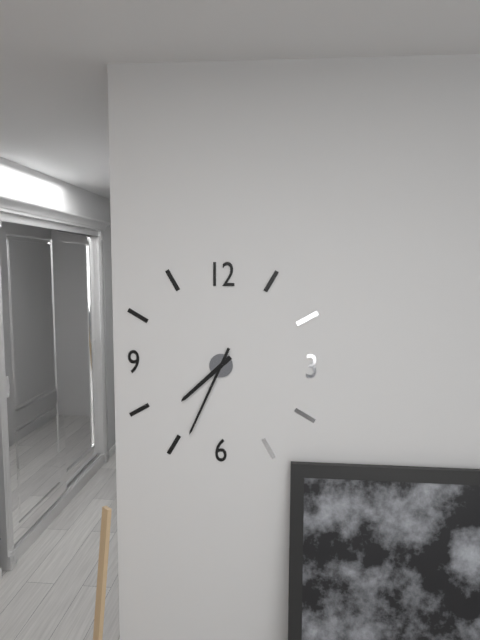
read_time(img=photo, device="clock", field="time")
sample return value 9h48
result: 7h34
